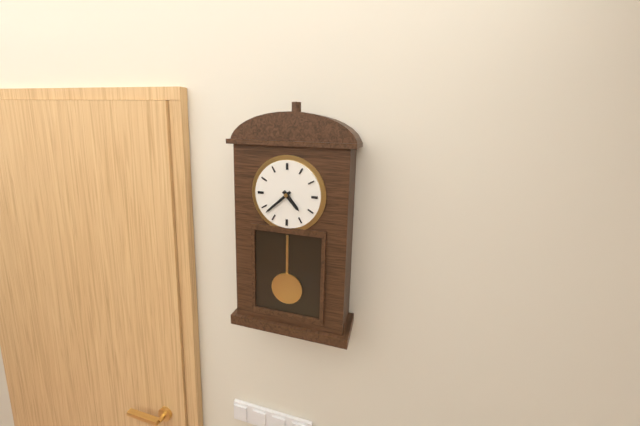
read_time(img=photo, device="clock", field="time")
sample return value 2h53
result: 4h38
